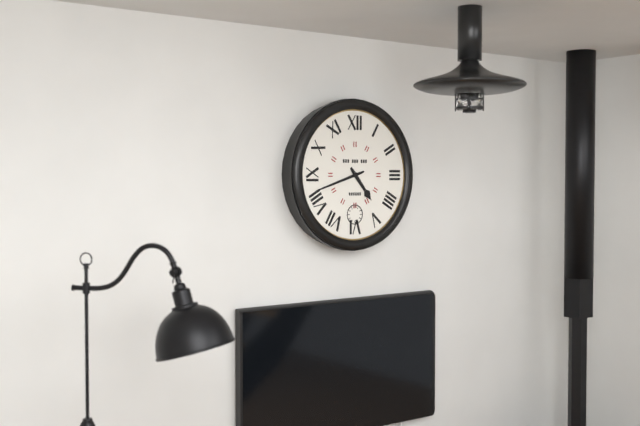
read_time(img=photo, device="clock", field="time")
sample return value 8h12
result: 4h42
